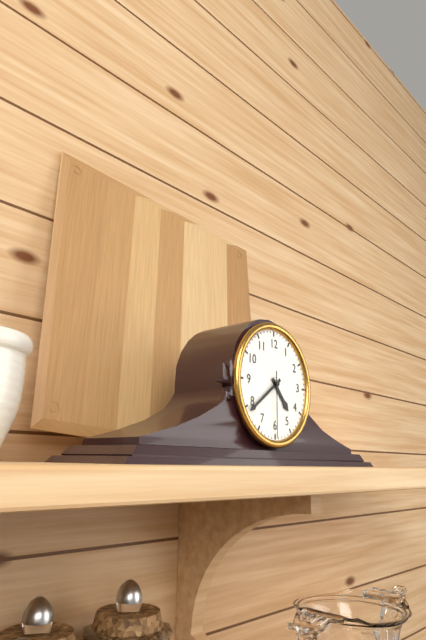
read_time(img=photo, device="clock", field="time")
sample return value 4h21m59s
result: 4h39m30s
